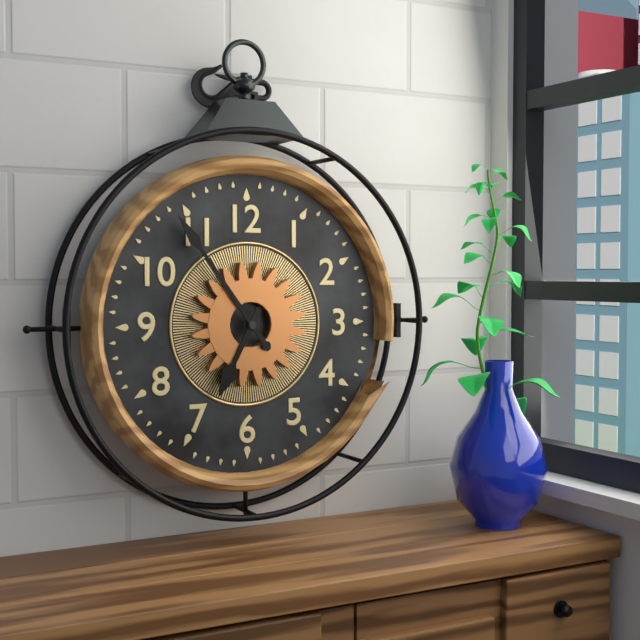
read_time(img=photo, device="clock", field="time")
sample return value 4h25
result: 6h54
